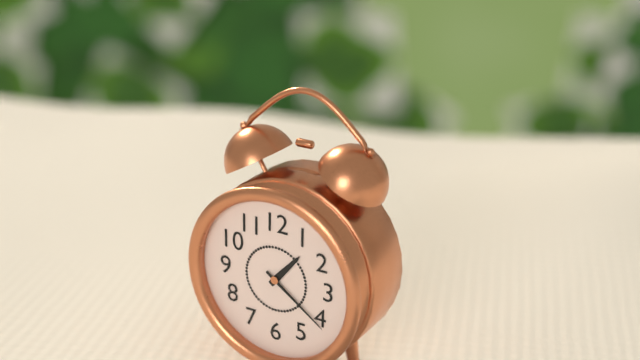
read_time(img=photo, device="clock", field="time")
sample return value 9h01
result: 1h21
